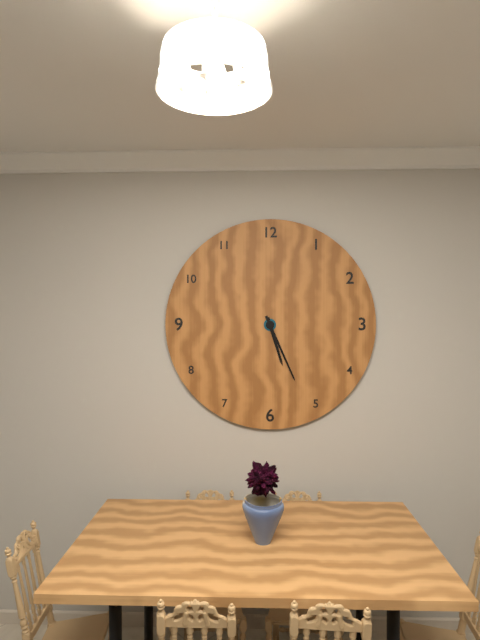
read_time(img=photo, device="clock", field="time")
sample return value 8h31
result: 5h26
